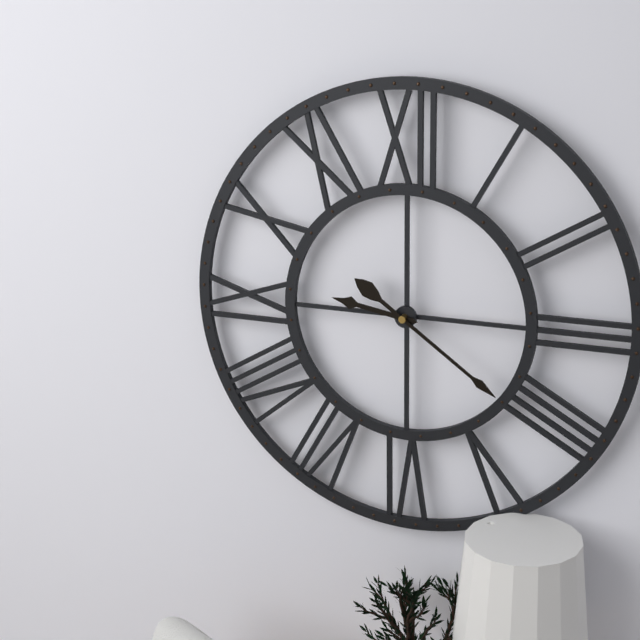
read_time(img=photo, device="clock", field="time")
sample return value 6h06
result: 9h21
